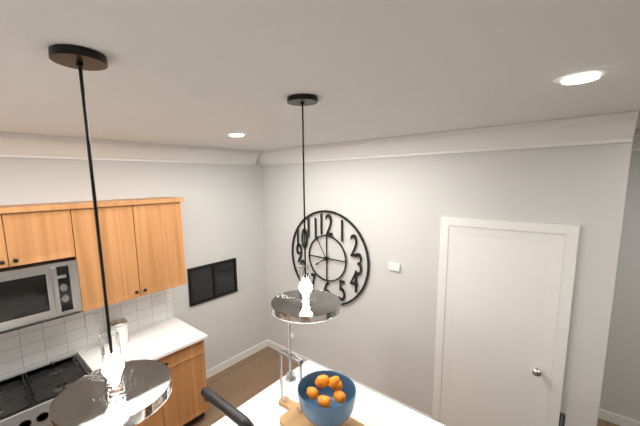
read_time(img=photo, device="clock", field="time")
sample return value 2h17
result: 7h55
